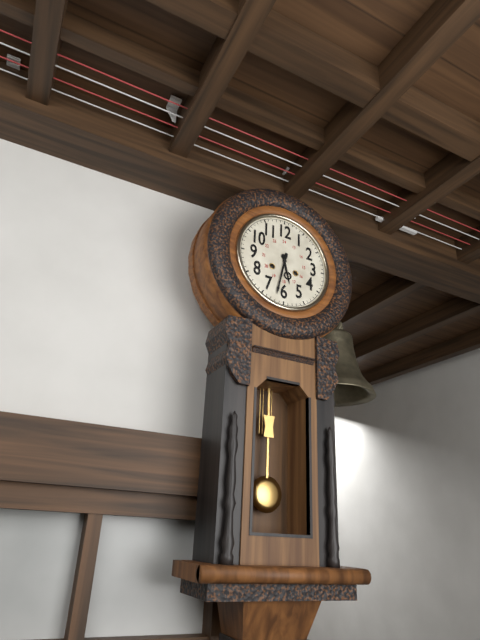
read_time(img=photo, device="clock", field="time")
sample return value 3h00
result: 5h32
